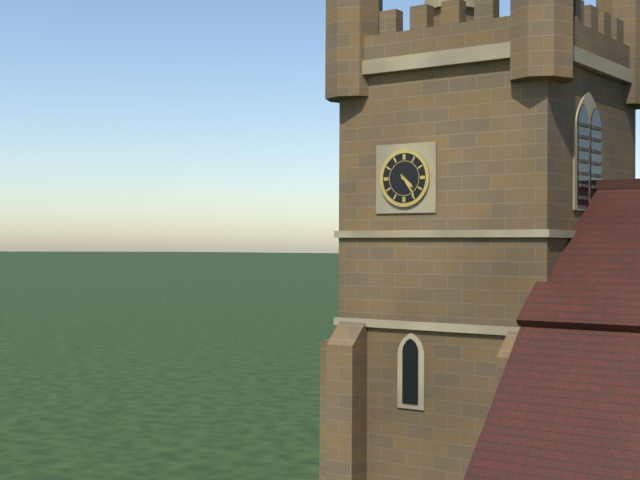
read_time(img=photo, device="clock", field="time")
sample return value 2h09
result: 4h24
